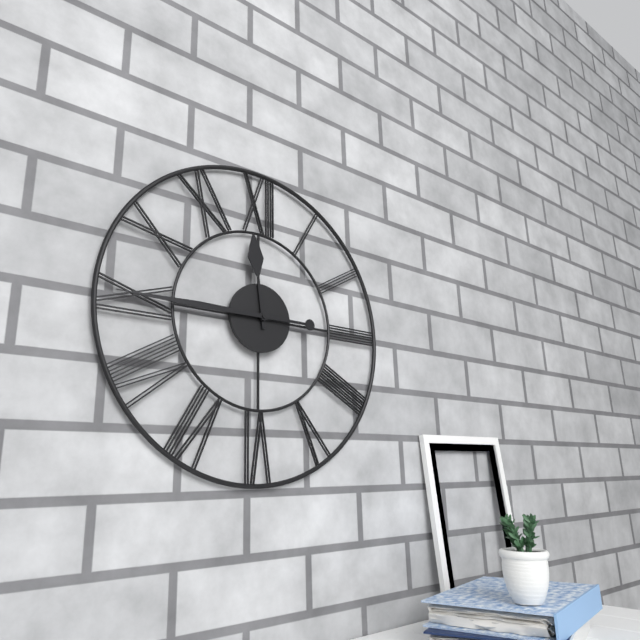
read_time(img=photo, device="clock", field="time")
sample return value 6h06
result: 11h45
